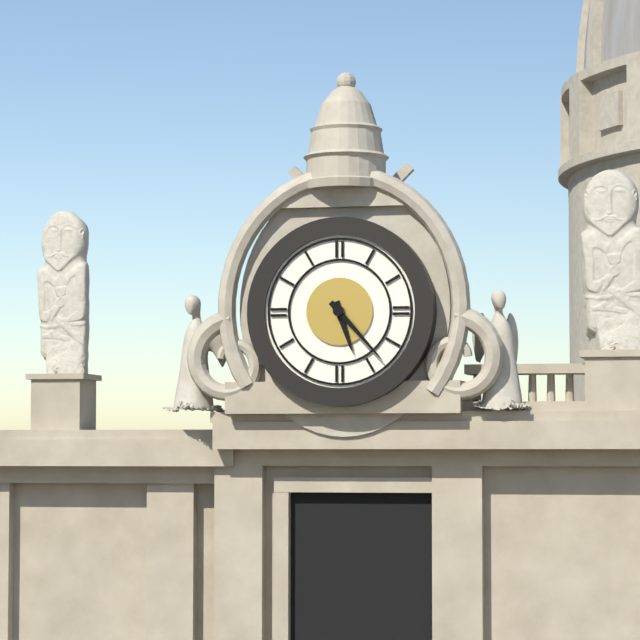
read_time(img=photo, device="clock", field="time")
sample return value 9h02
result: 5h23
